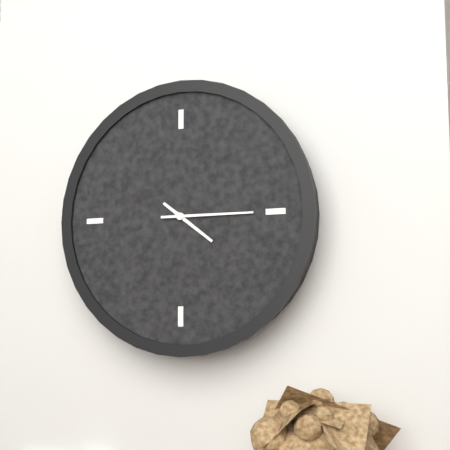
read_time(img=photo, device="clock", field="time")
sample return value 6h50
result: 4h15
